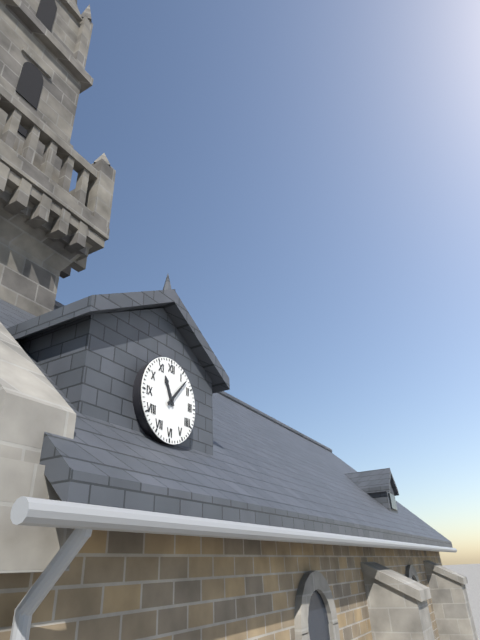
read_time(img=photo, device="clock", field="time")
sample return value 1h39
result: 11h07
